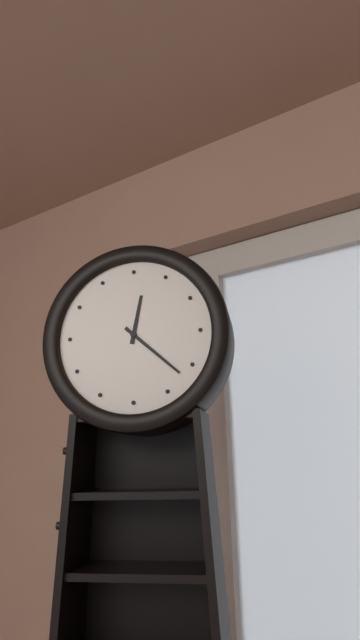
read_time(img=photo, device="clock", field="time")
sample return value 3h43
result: 12h22
